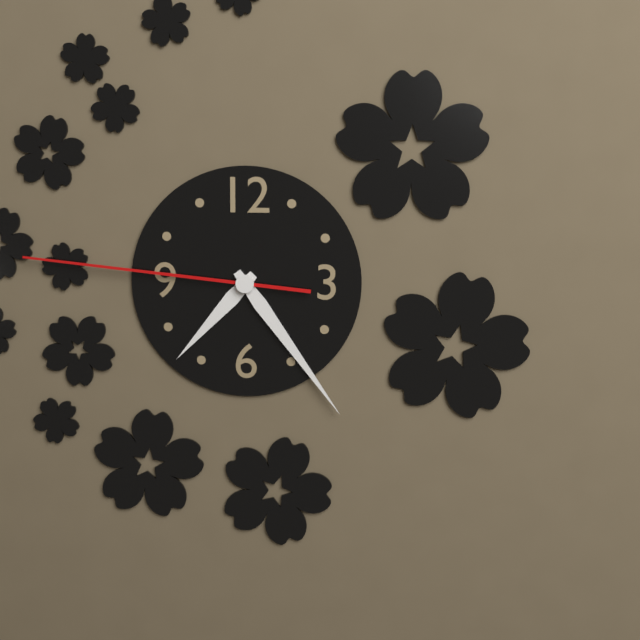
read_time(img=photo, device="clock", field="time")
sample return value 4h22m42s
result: 7h24m46s
